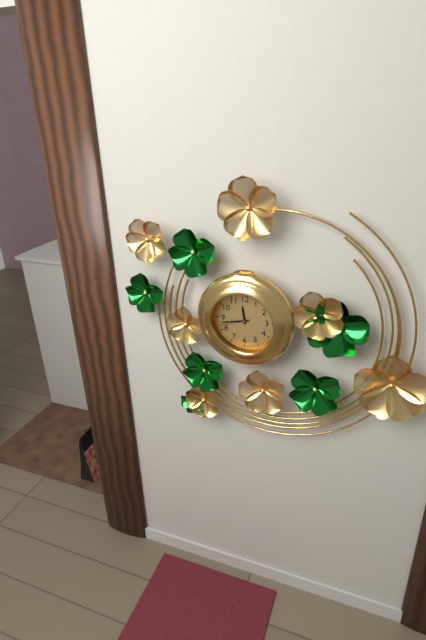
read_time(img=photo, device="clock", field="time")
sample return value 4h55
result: 11h43
